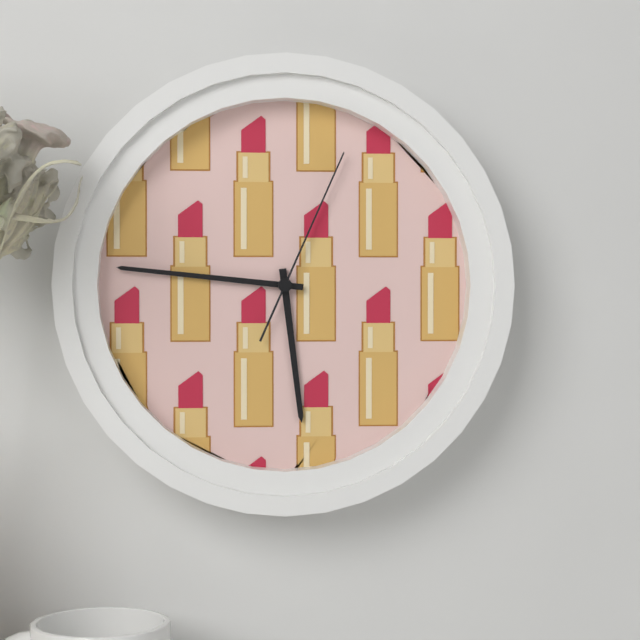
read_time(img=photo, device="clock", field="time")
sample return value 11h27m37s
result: 5h46m04s
